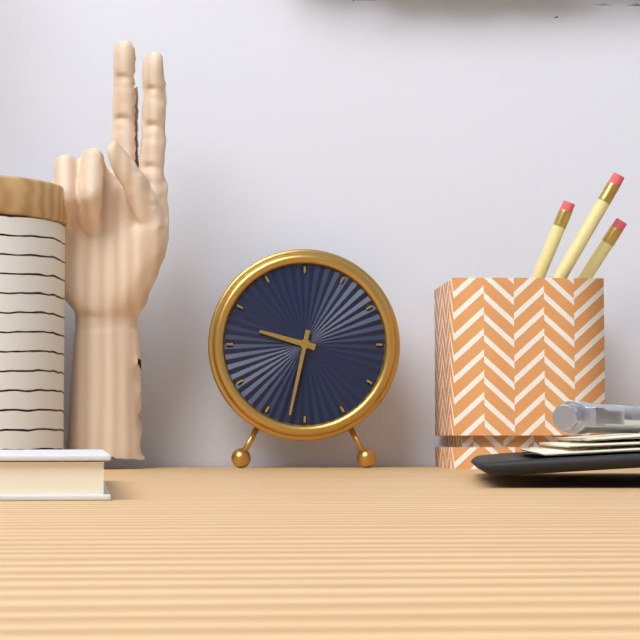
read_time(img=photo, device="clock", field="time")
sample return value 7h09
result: 9h32
